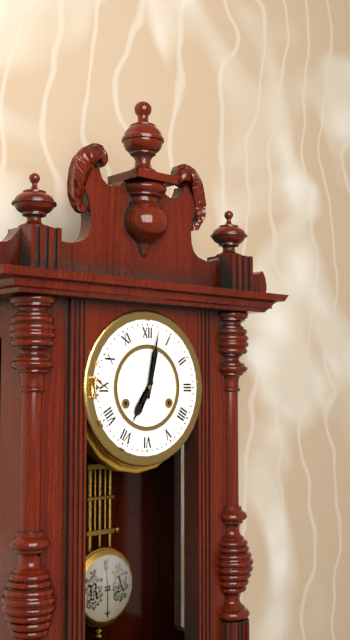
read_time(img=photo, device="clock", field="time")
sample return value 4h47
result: 7h02
